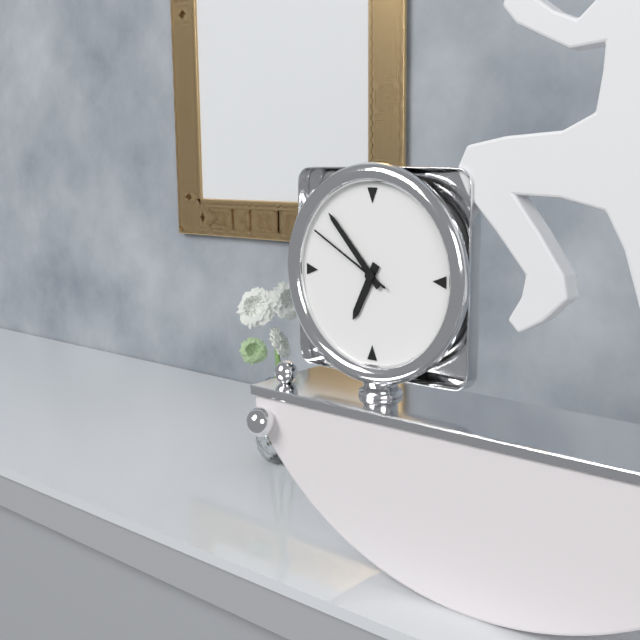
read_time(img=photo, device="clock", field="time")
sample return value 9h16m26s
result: 6h53m50s
